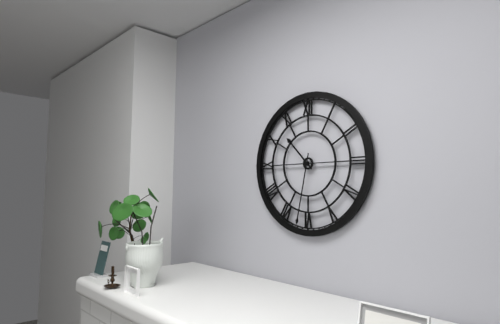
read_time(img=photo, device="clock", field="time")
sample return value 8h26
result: 10h32
